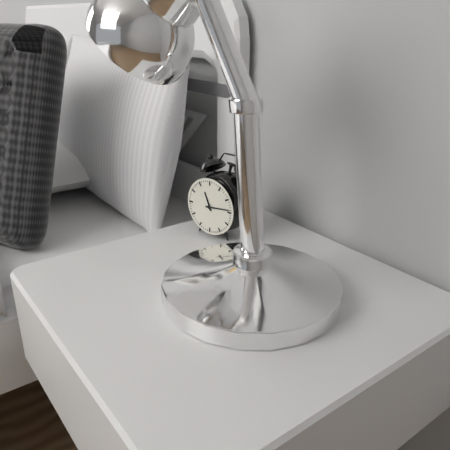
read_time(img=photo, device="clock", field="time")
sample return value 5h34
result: 11h14
